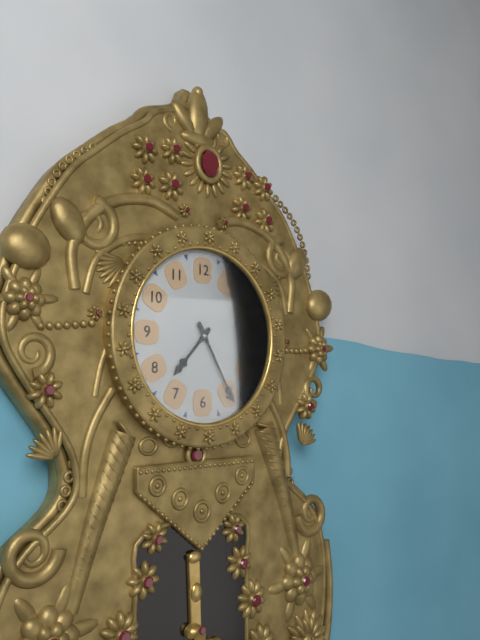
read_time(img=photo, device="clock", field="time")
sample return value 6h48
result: 7h25
